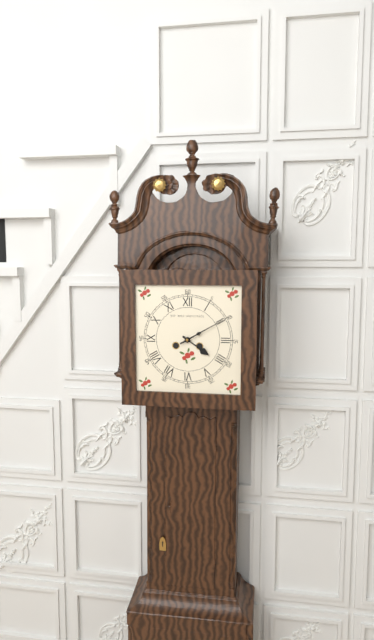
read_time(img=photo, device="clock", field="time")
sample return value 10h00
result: 4h10
